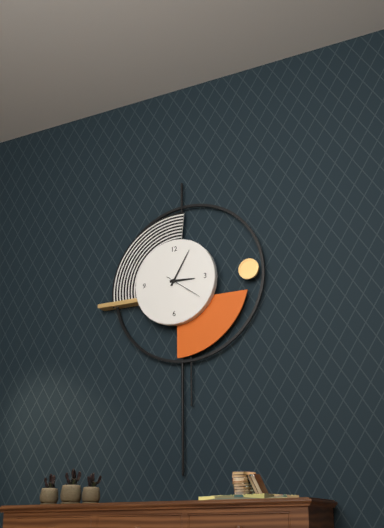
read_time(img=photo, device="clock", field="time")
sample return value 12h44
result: 3h05
